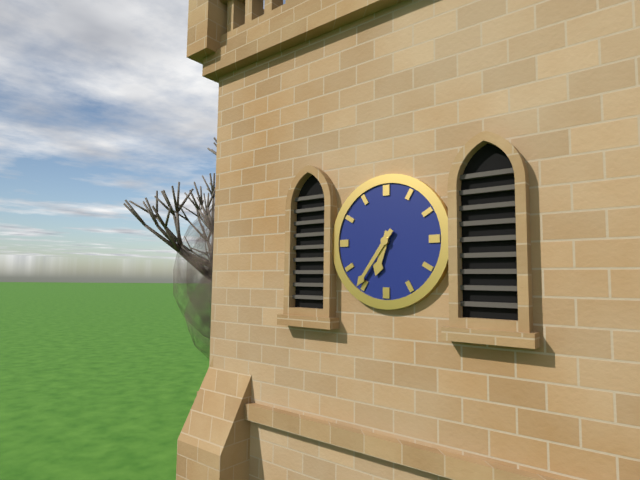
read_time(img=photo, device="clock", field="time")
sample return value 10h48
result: 6h36
